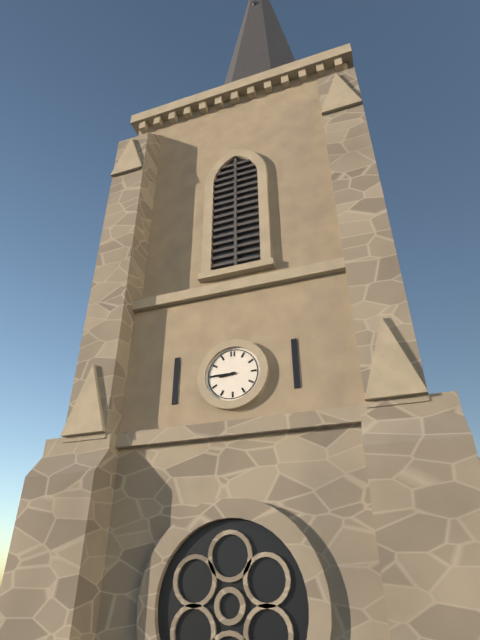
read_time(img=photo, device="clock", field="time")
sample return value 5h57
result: 8h45
